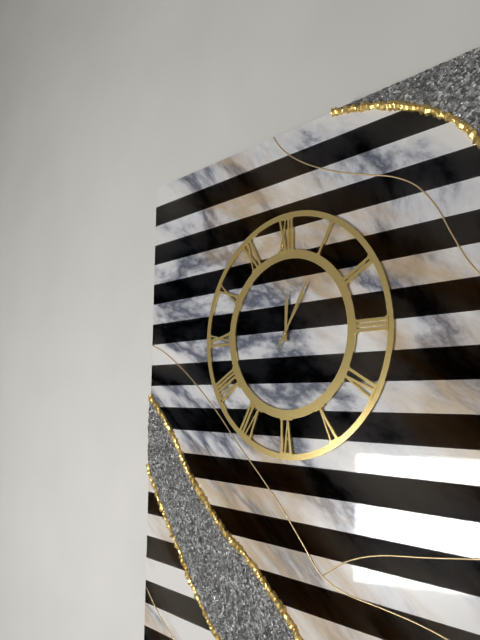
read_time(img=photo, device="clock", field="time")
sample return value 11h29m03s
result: 12h05m06s
